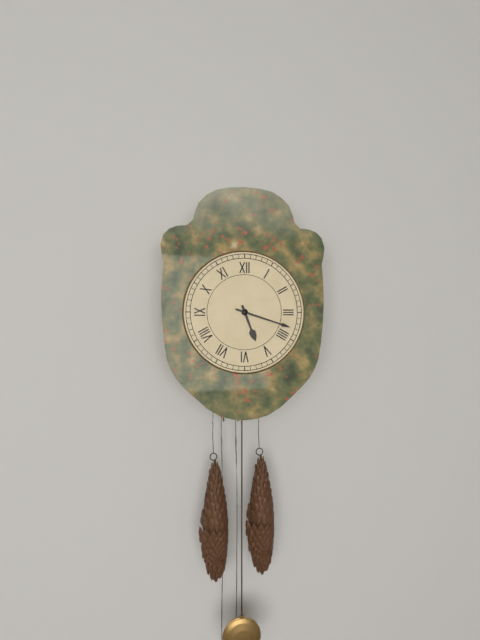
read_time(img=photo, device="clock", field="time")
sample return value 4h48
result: 5h18
